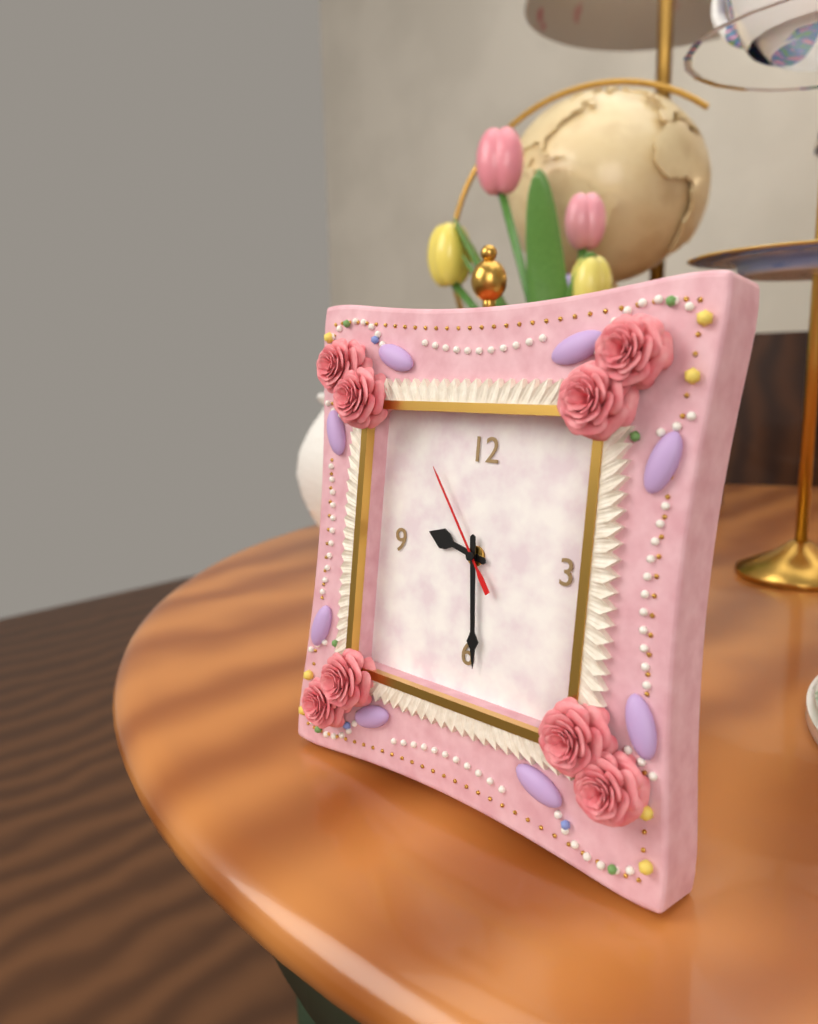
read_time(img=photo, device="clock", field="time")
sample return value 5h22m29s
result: 9h29m54s
